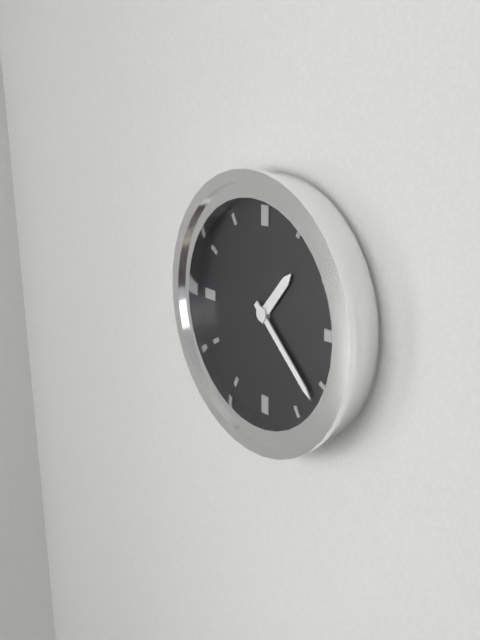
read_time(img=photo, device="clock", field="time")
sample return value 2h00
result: 1h22
